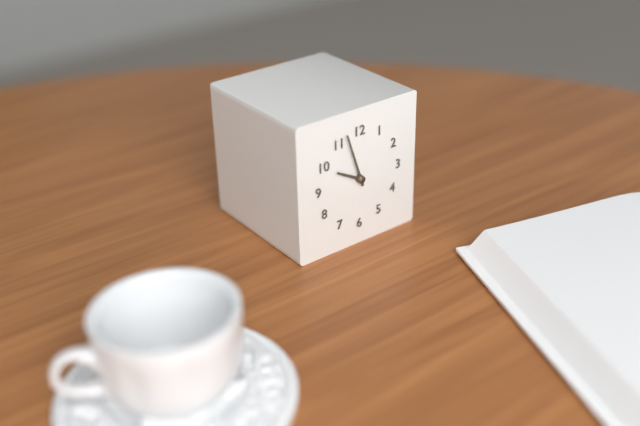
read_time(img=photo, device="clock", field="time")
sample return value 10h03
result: 9h57
